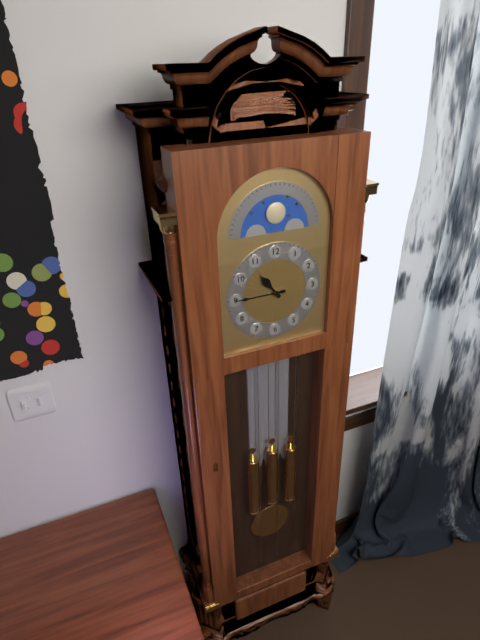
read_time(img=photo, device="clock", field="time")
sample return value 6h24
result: 10h45
